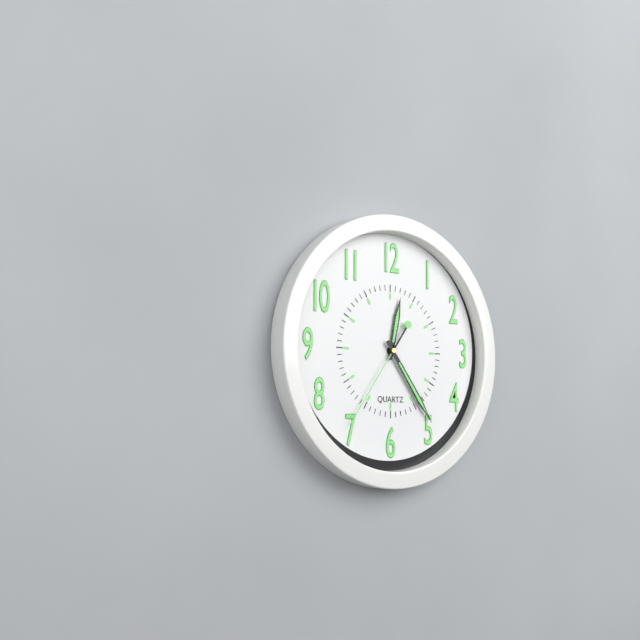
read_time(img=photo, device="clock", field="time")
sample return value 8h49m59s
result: 12h24m36s
